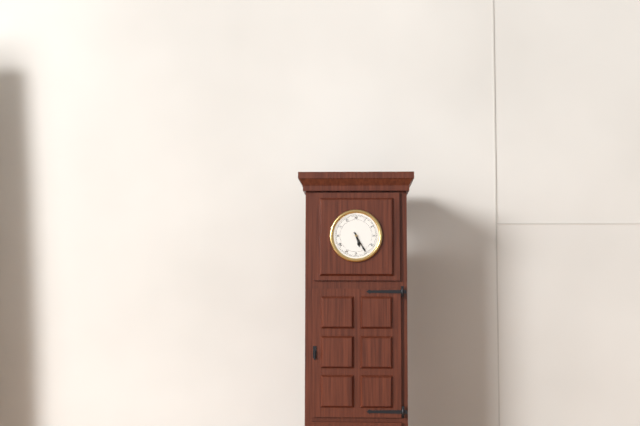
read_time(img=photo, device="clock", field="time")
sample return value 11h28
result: 5h25
